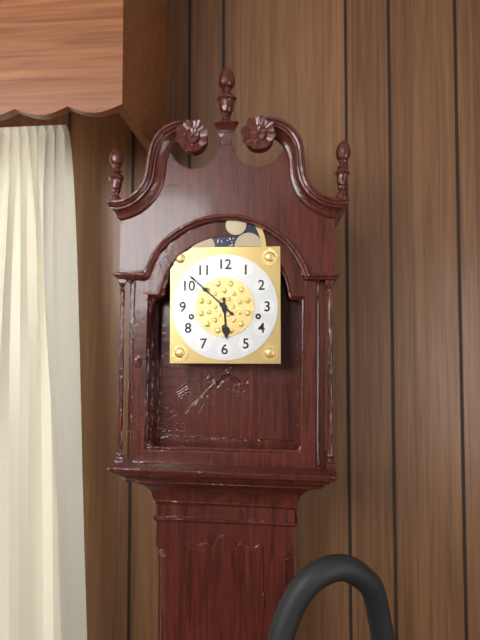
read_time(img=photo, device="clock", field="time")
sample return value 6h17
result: 5h52
